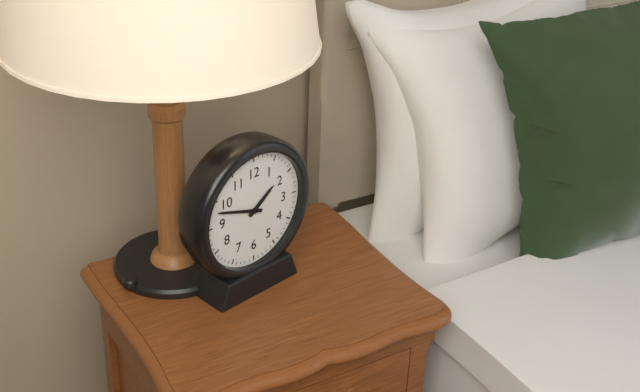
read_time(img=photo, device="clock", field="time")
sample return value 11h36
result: 1h48
